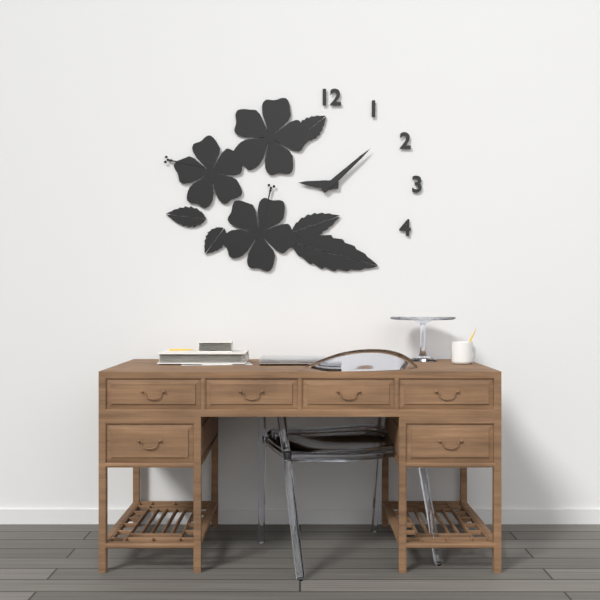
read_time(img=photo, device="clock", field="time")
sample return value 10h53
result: 9h08
